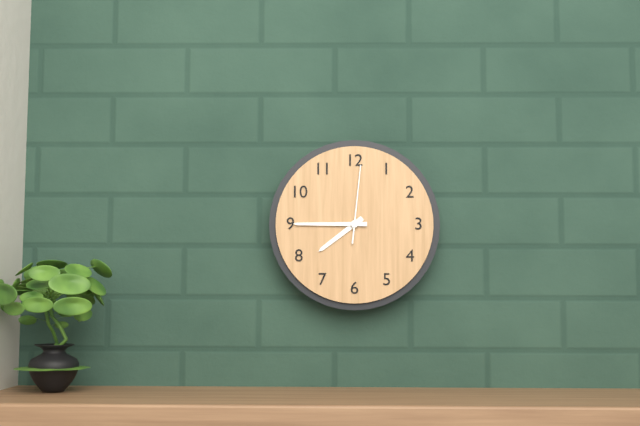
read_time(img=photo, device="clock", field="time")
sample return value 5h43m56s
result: 7h45m01s
